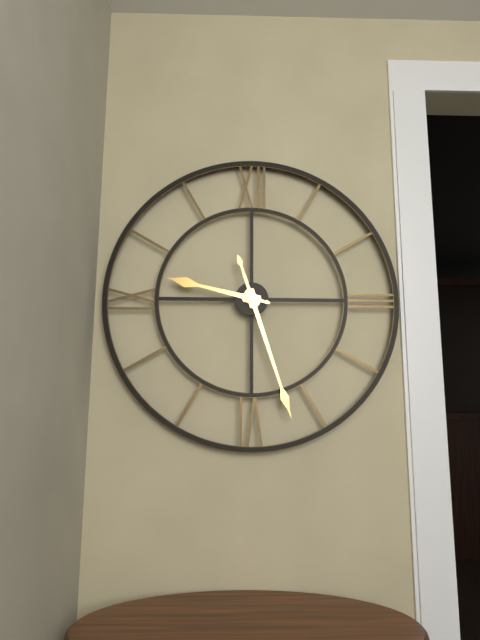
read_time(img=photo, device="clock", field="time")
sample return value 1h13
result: 9h27
